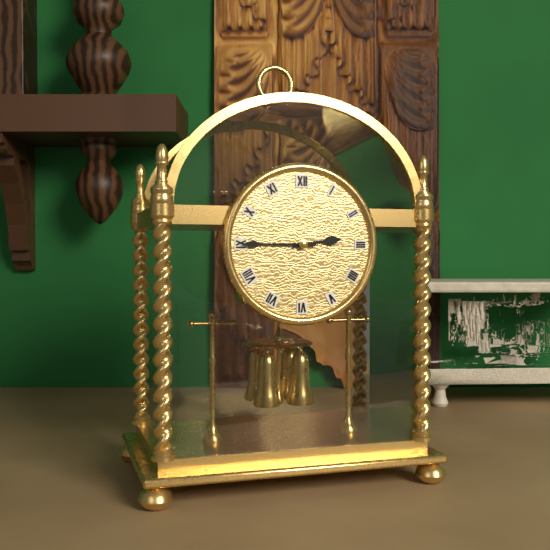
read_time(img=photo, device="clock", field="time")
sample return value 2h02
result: 2h45
